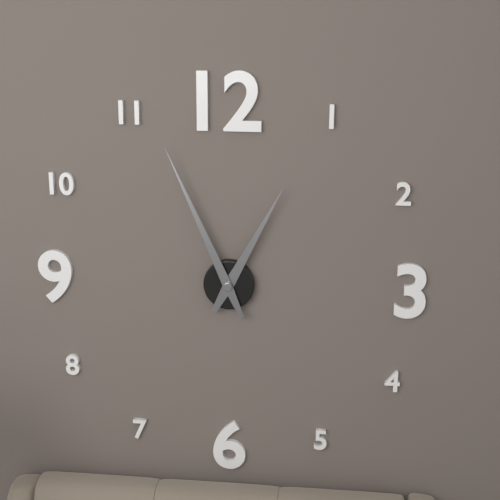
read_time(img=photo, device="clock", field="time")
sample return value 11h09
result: 12h56
